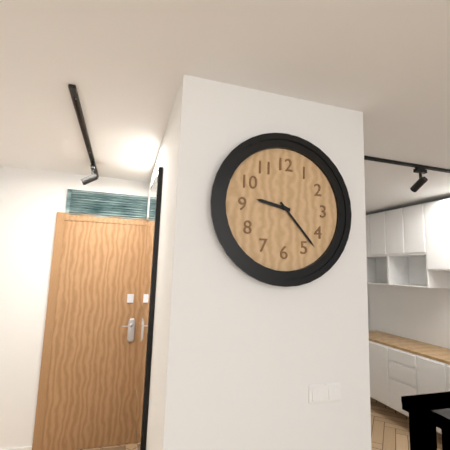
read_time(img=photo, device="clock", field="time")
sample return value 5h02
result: 9h23
